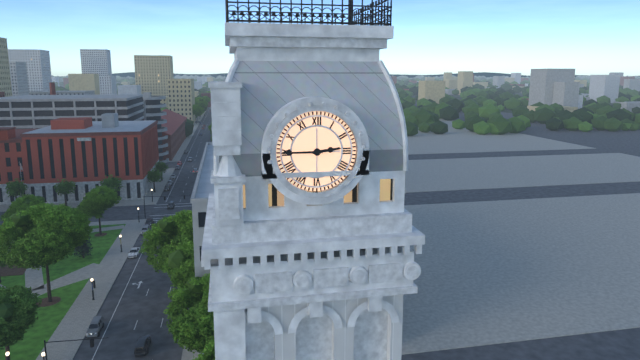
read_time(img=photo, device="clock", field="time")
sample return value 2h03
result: 2h45
